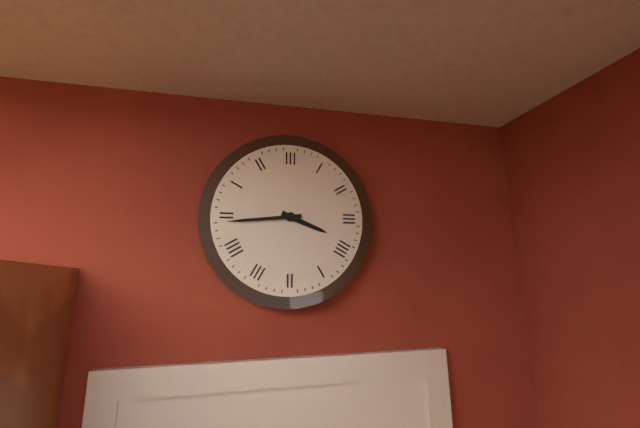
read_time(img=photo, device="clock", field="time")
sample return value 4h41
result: 3h44
